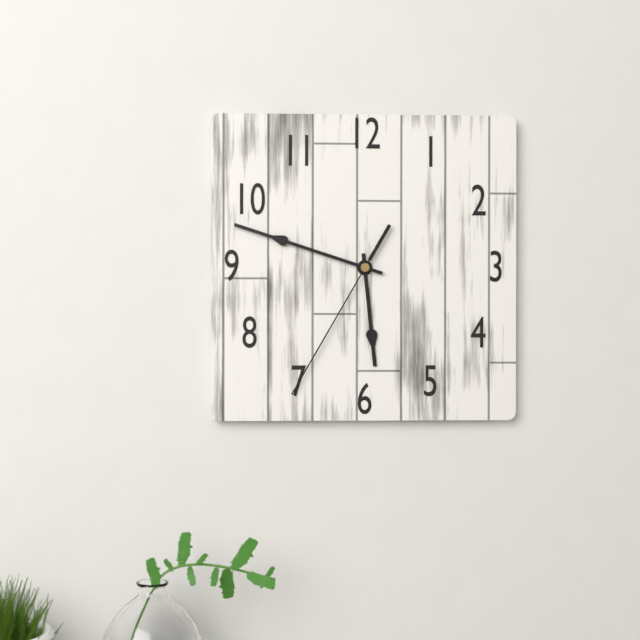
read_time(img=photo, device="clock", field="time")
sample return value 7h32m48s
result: 5h48m35s
